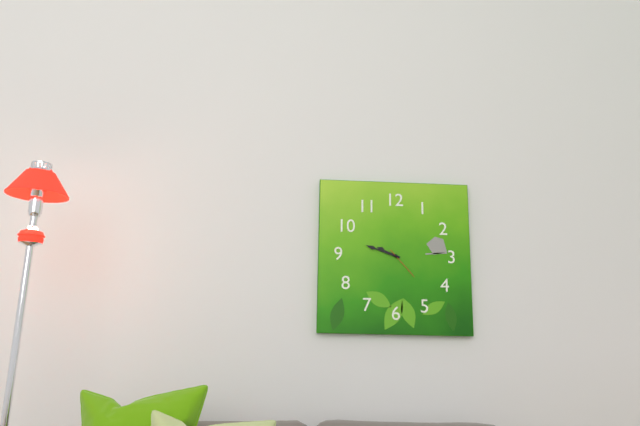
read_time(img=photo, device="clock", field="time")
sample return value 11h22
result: 9h48
